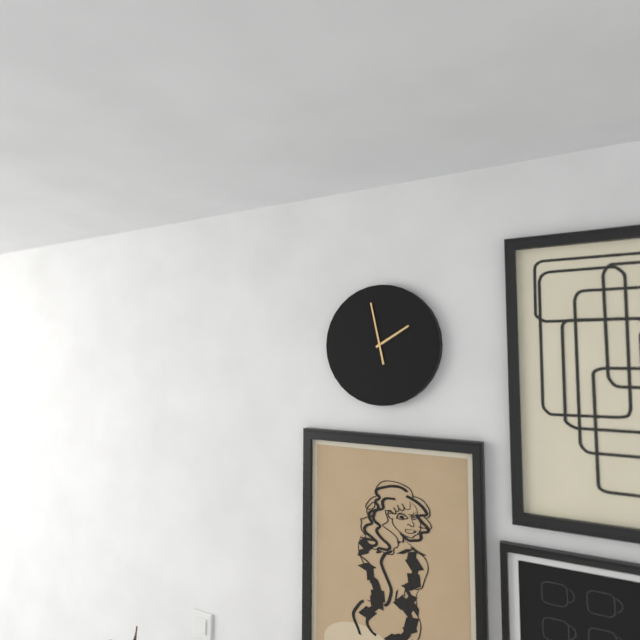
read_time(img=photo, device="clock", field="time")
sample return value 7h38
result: 1h58
